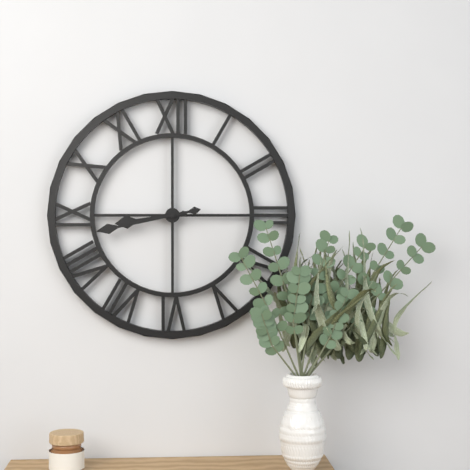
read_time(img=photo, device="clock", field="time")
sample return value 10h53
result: 8h43
